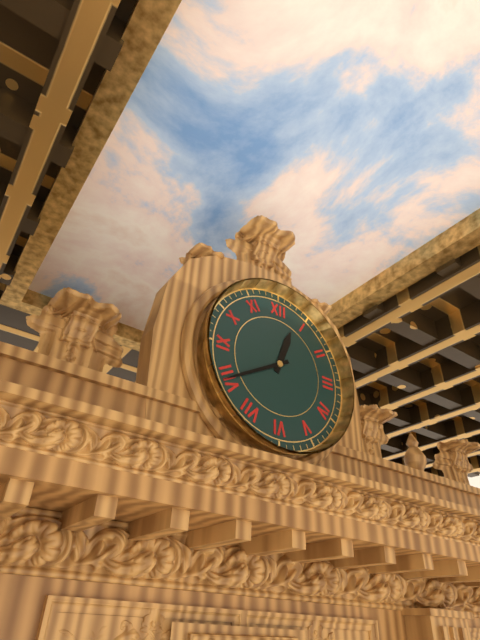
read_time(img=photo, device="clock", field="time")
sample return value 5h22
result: 12h40
